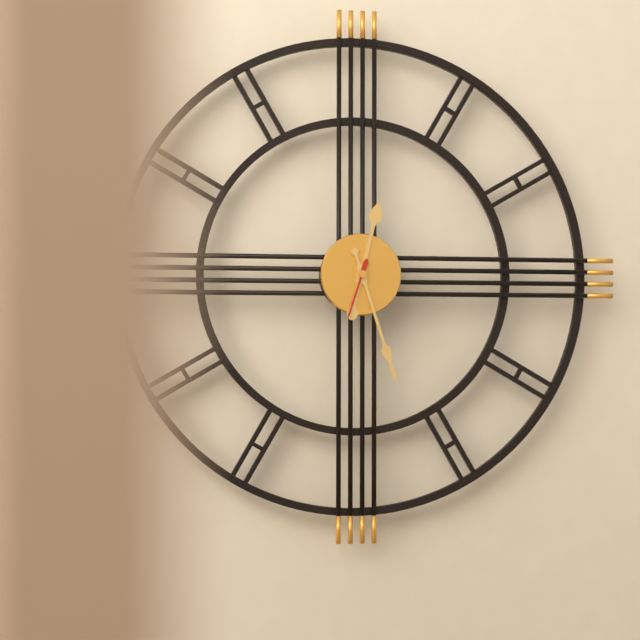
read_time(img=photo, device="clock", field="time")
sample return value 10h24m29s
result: 12h27m33s
